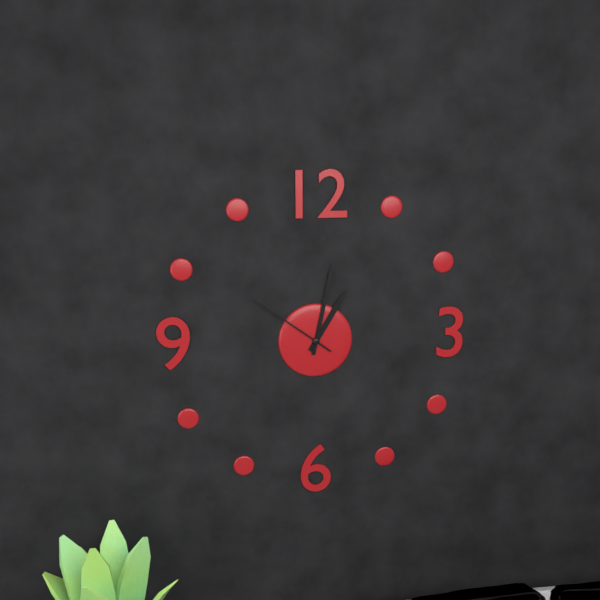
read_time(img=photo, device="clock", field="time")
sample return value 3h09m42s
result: 1h02m51s
